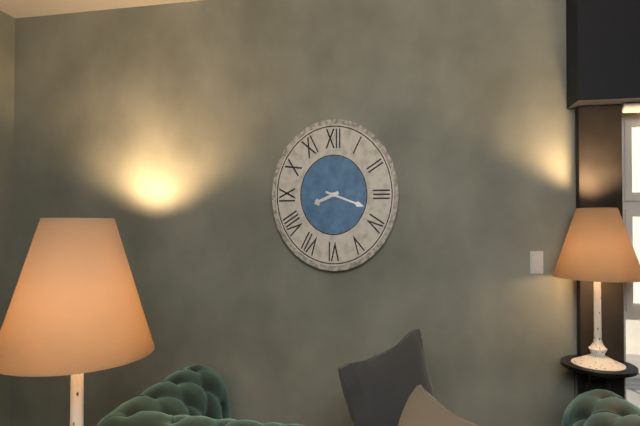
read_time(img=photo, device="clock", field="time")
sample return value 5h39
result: 8h18
